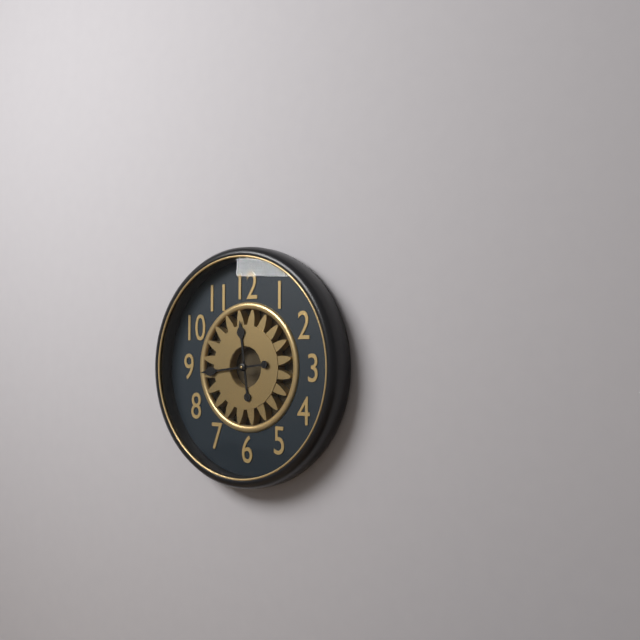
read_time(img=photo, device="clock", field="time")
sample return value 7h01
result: 11h44
